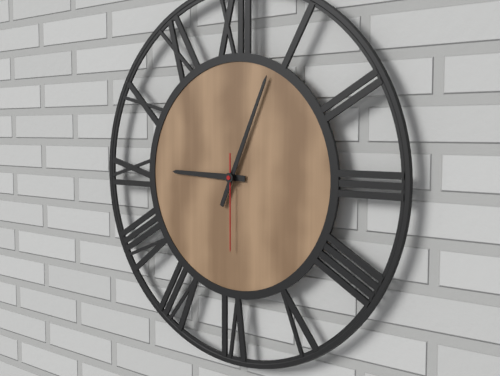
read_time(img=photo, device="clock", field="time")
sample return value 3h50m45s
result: 9h04m30s
